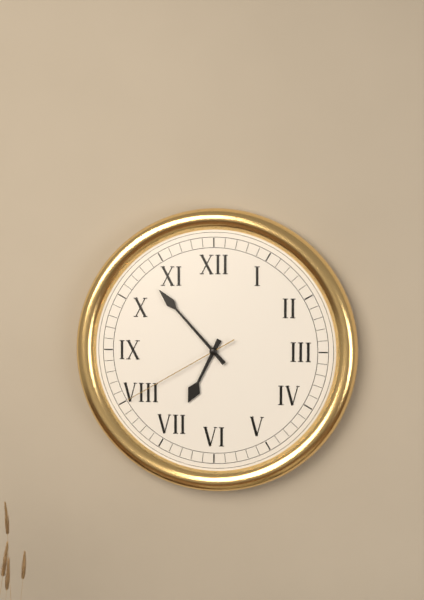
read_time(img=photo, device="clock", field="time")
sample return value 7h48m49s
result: 6h53m40s
